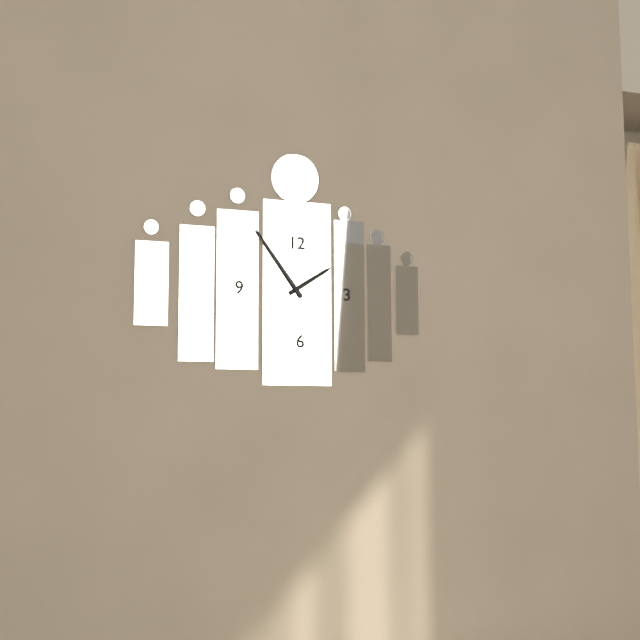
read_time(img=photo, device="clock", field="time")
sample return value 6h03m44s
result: 1h54m54s
